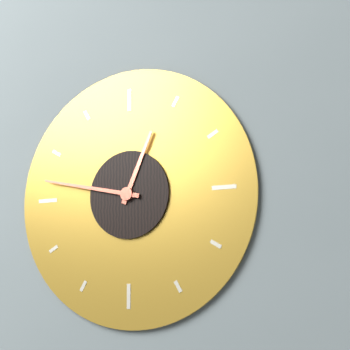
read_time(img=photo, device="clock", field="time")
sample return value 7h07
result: 12h47
